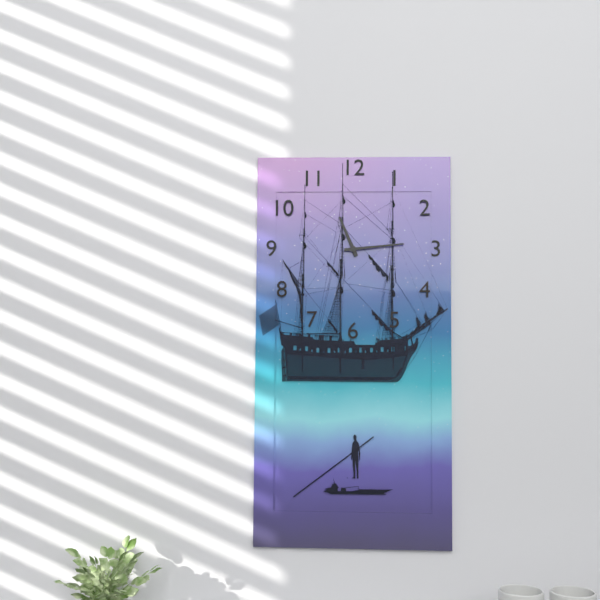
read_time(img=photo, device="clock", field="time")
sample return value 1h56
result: 11h14
